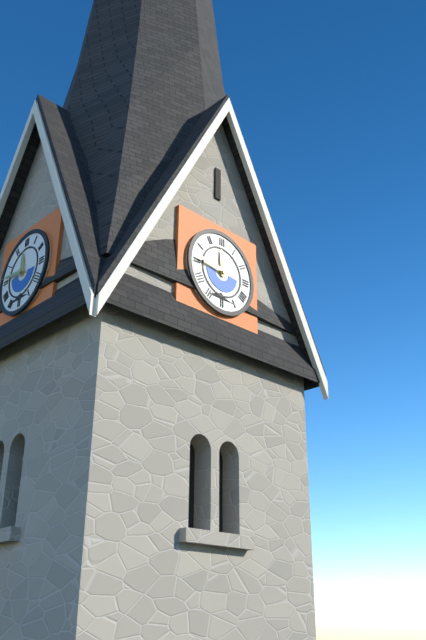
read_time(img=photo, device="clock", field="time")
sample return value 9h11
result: 11h46
